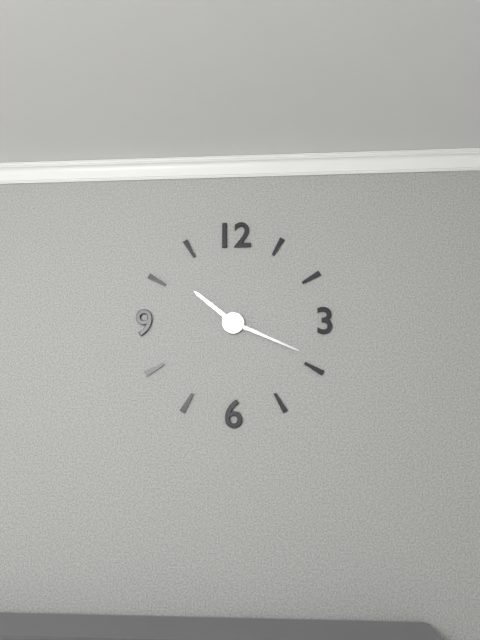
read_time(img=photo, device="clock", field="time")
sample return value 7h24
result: 10h19
